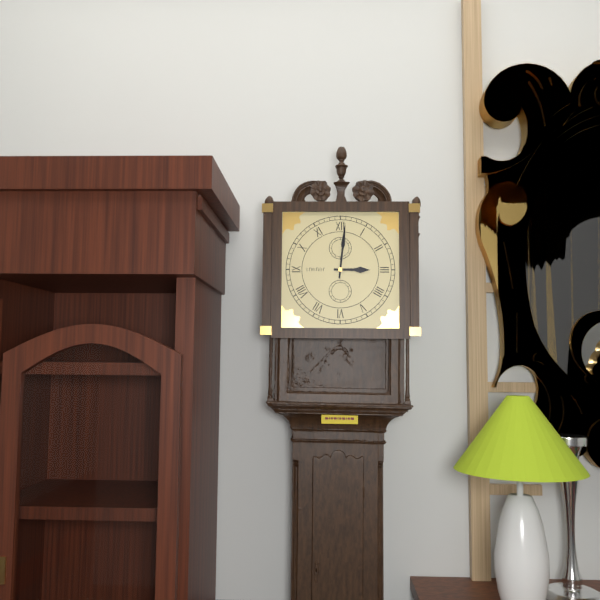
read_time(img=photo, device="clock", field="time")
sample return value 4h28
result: 3h01
